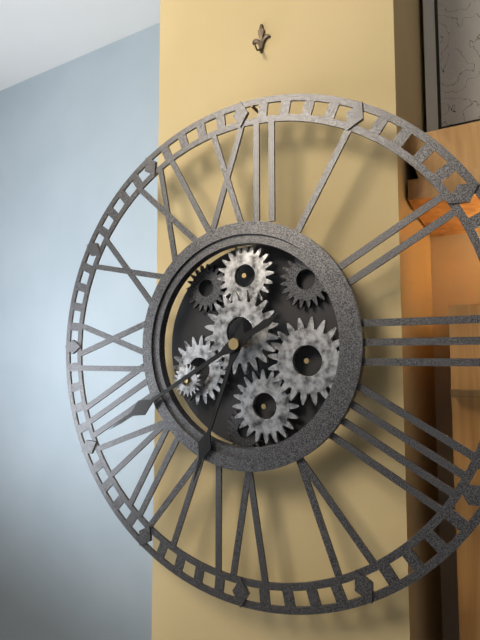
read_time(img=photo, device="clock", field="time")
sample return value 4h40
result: 6h40
